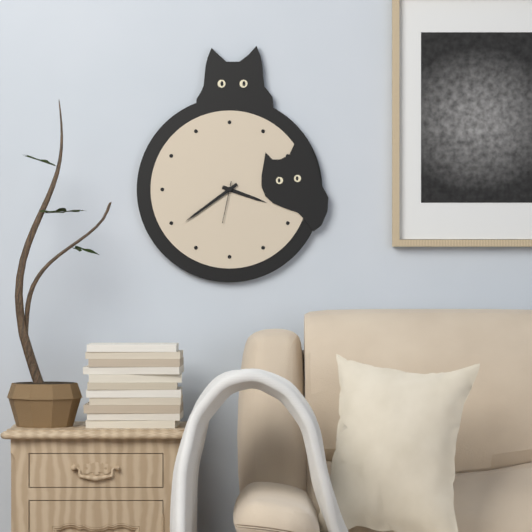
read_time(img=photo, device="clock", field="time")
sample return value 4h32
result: 3h39
